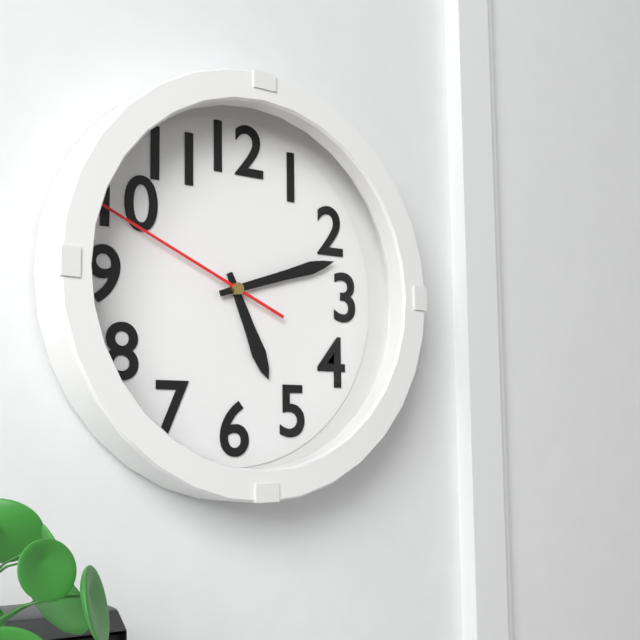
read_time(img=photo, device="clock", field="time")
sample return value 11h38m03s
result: 5h12m49s
